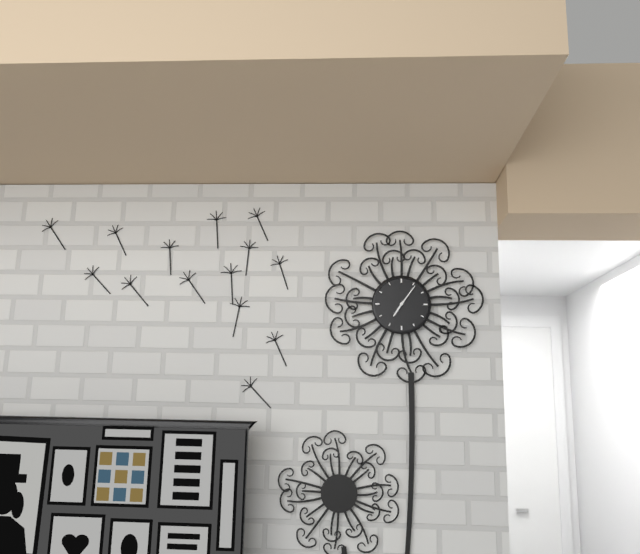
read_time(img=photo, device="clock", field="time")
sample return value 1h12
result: 7h06
